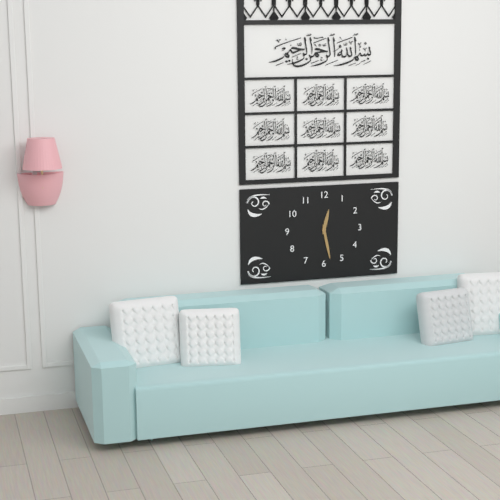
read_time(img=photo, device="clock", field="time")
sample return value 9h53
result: 12h28
